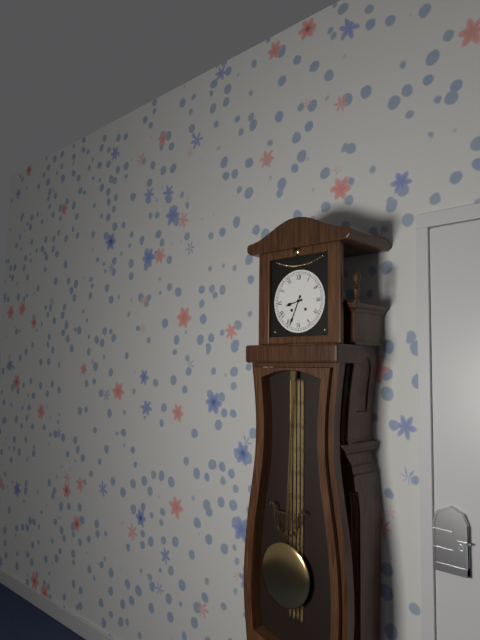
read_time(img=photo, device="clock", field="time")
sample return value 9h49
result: 8h34
